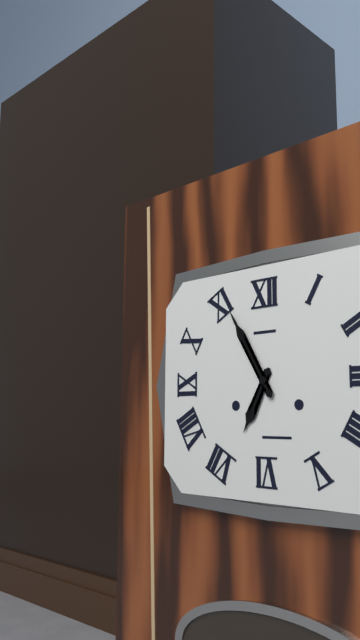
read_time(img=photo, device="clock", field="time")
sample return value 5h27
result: 6h55
